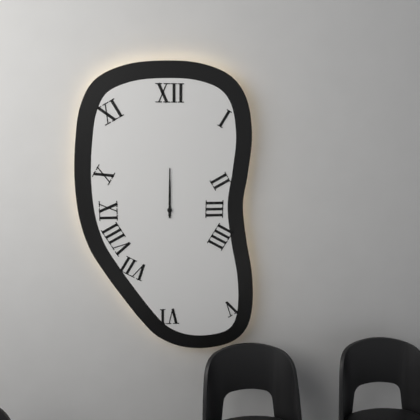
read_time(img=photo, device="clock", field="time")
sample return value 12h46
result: 12h00
